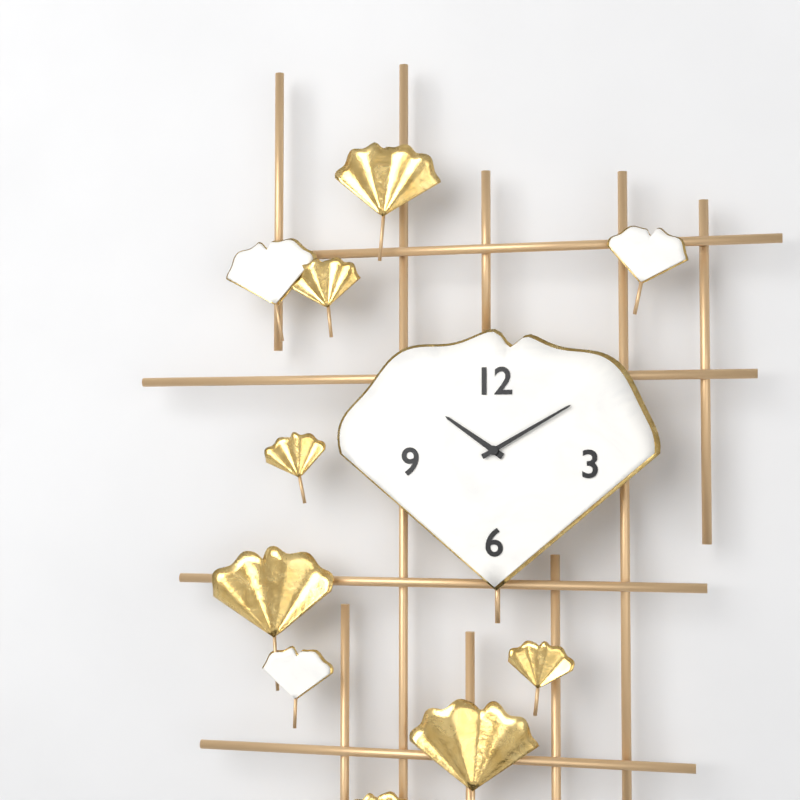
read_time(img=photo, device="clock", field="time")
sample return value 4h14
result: 10h10
